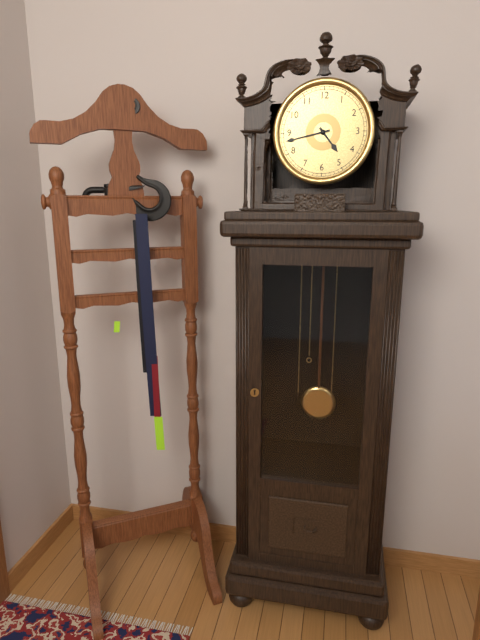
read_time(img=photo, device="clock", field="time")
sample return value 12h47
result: 4h43
